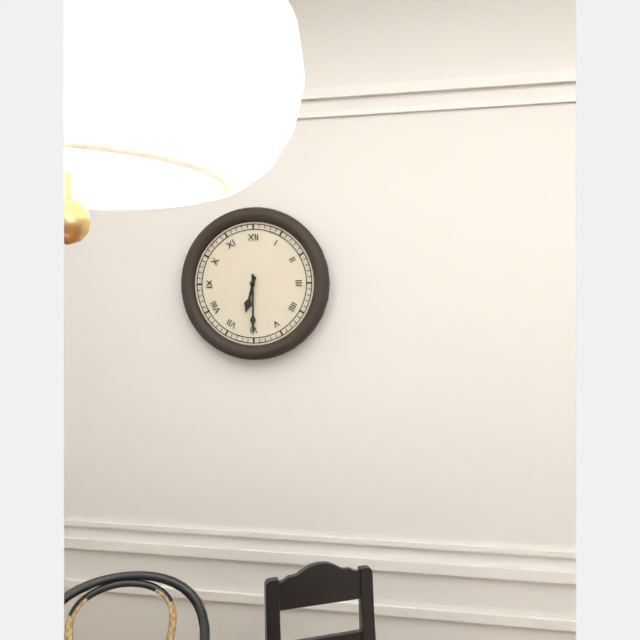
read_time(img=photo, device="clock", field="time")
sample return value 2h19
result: 6h30
